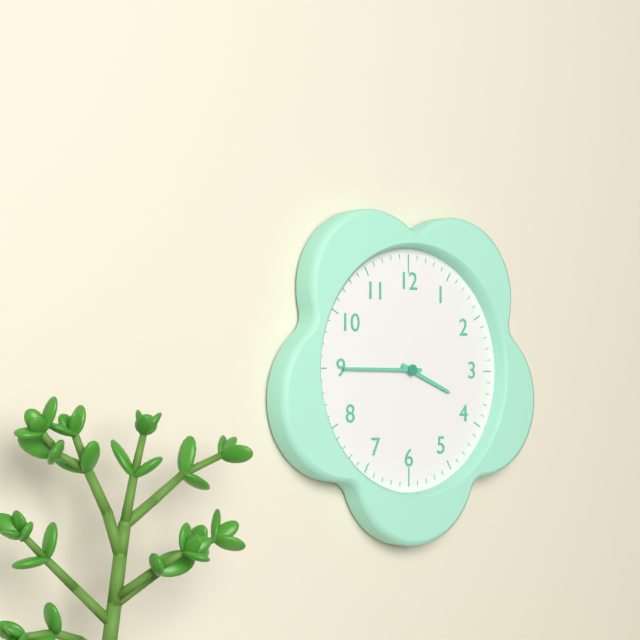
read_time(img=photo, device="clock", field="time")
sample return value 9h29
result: 3h45
